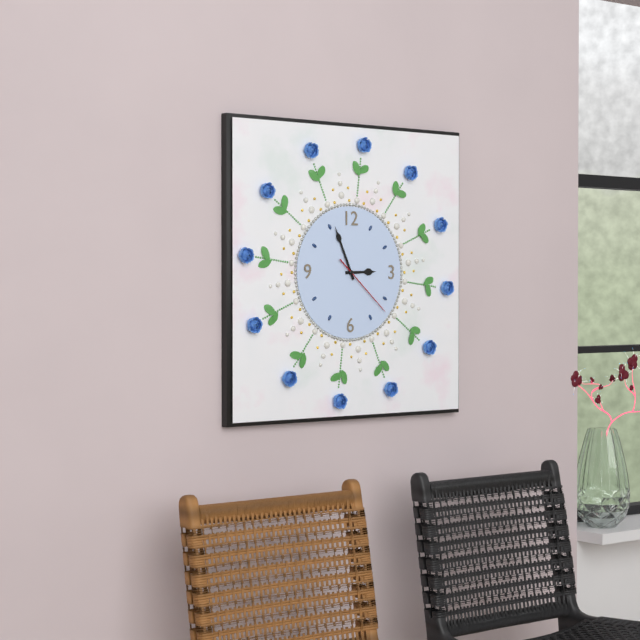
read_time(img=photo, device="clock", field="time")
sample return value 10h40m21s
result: 2h56m22s
